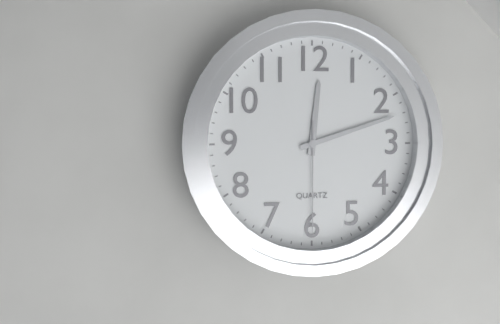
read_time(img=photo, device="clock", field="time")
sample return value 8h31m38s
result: 12h12m30s
